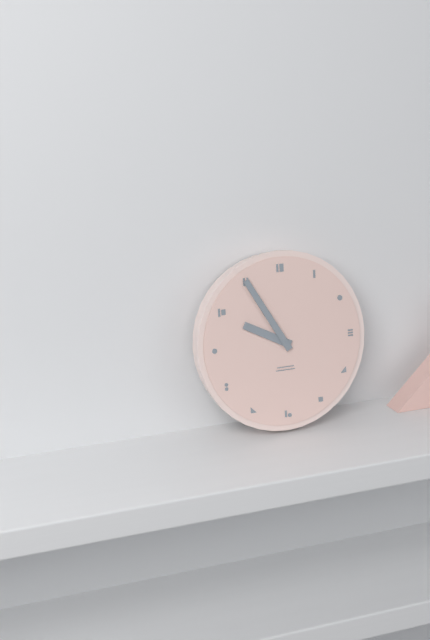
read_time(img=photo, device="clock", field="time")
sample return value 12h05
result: 9h55
